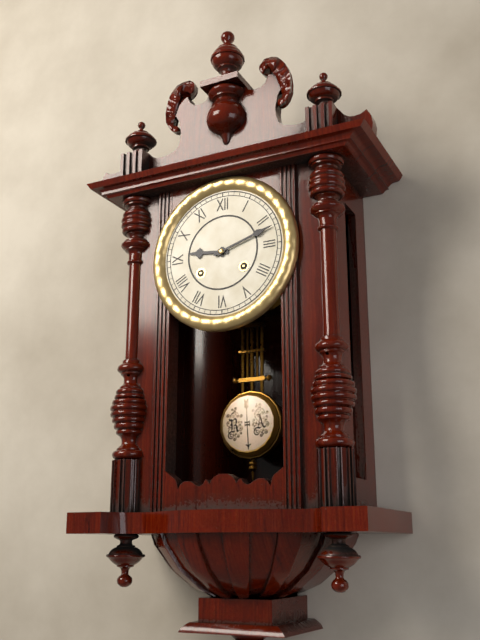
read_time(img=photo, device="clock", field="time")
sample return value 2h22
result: 9h12
